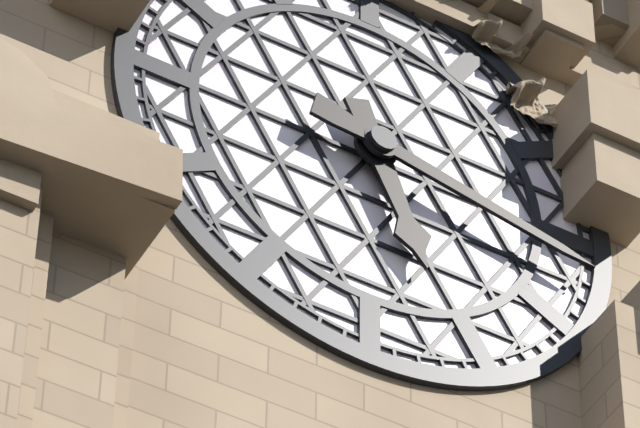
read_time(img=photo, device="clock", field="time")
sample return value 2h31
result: 5h17
